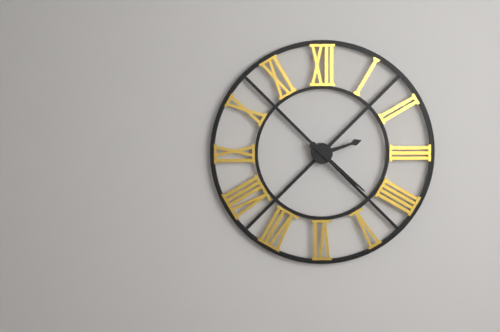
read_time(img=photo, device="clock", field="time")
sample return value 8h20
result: 2h22
